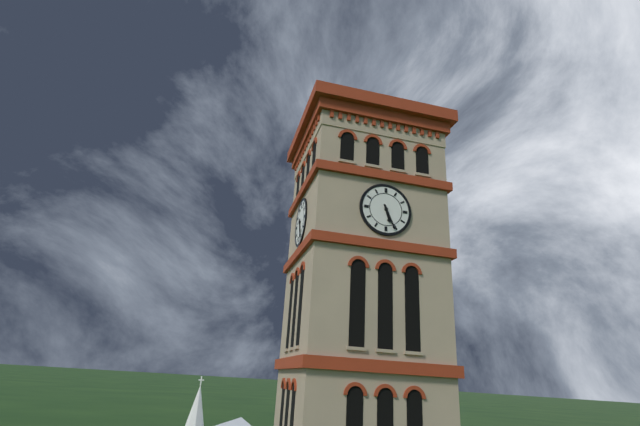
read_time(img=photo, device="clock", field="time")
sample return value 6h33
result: 5h26
